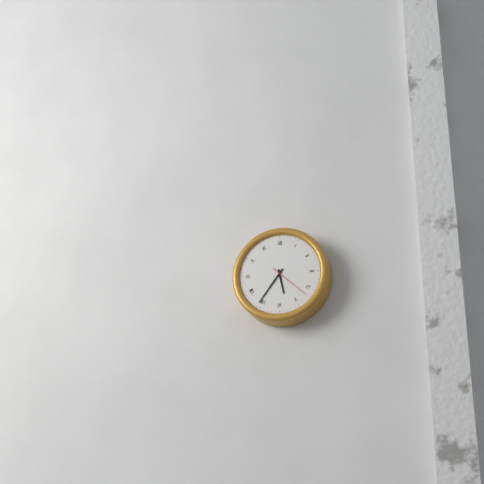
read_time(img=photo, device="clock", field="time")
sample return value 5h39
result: 5h36
